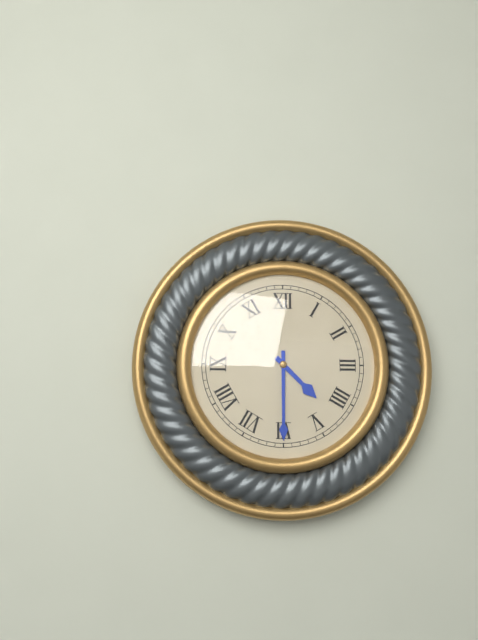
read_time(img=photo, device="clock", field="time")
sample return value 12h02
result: 4h30
